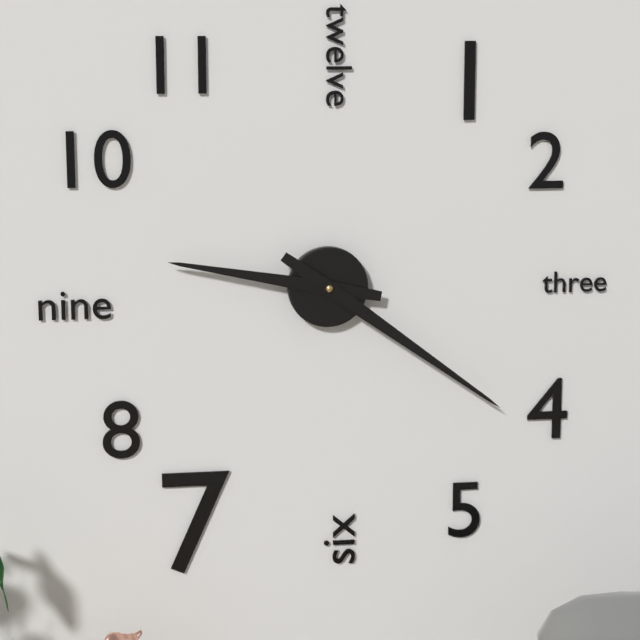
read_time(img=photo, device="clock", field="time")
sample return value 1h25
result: 9h21
